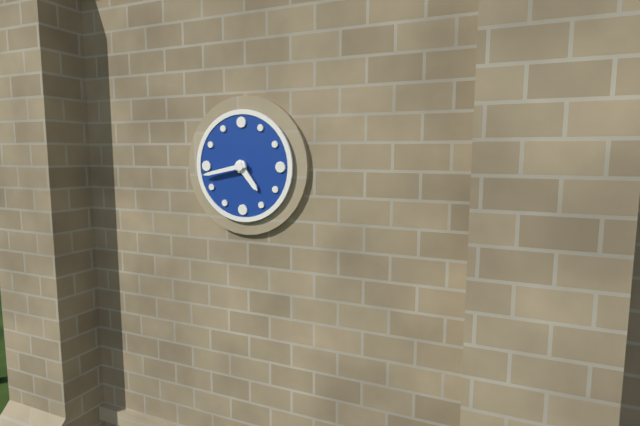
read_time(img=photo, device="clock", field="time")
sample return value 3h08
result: 4h43
